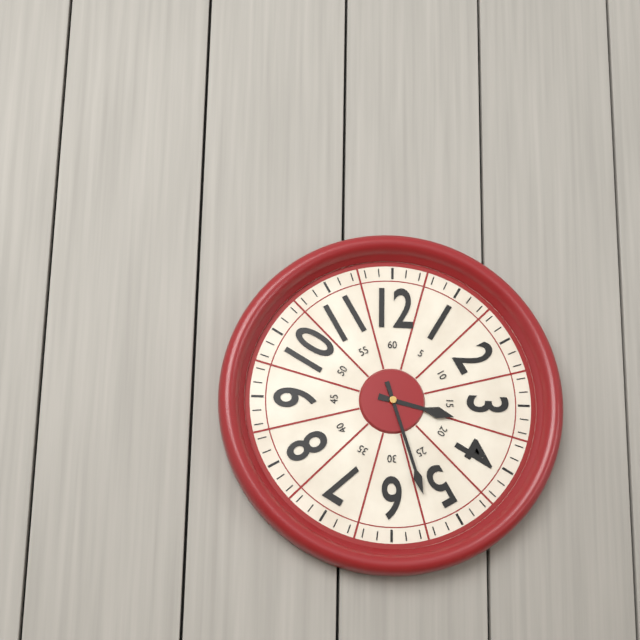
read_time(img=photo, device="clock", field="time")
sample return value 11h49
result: 3h27
